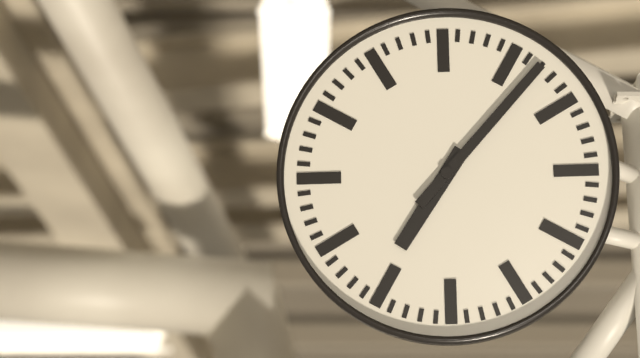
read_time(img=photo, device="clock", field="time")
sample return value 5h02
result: 7h07
